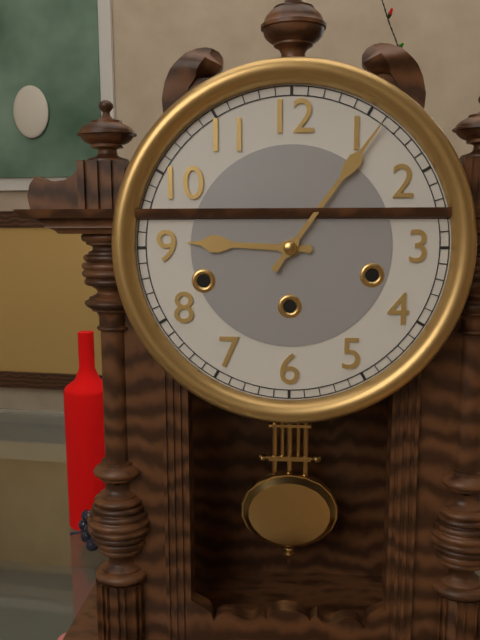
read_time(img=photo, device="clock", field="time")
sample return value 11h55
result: 9h06
